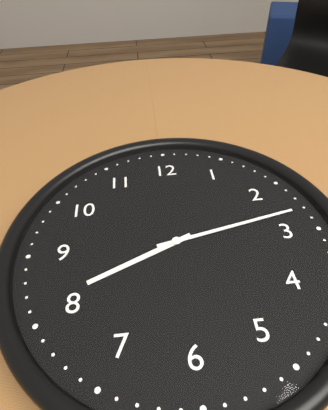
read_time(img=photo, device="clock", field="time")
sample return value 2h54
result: 8h13
